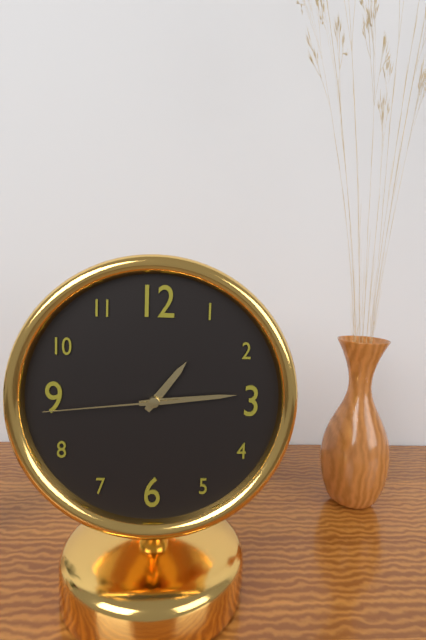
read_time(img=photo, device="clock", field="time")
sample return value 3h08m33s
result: 1h14m44s
